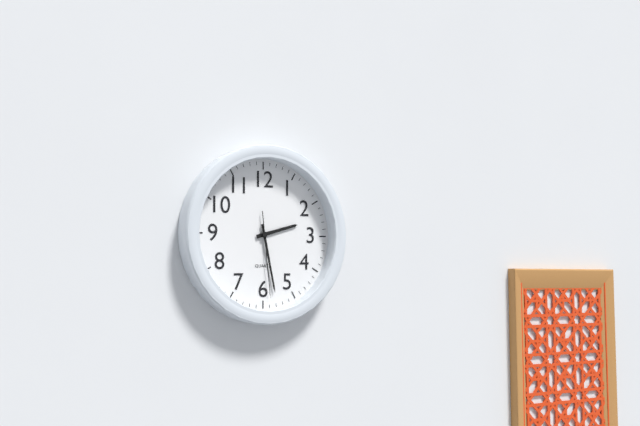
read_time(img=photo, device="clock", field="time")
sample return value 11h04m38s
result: 2h28m29s
